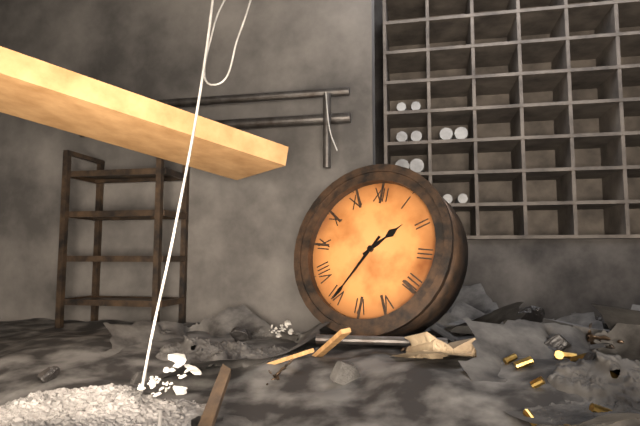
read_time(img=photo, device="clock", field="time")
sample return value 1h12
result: 1h35
